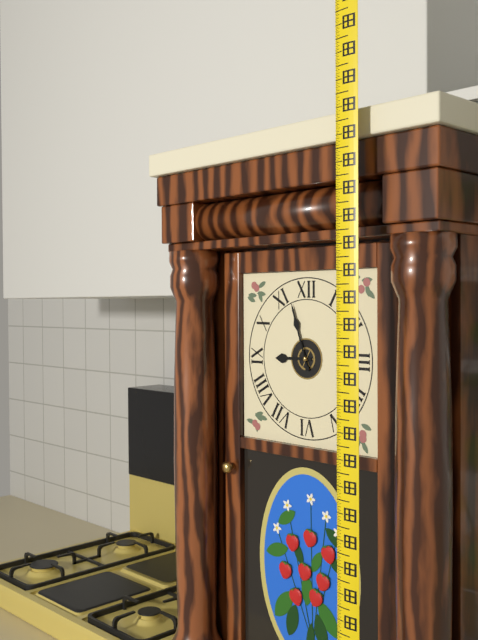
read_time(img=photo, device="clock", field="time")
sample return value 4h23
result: 8h57
